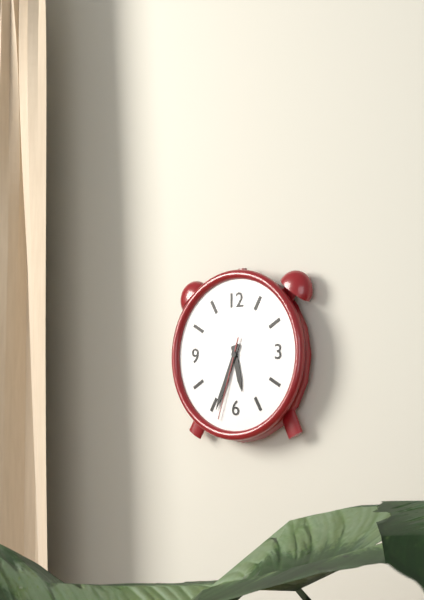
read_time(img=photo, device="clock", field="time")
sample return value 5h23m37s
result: 5h34m33s
